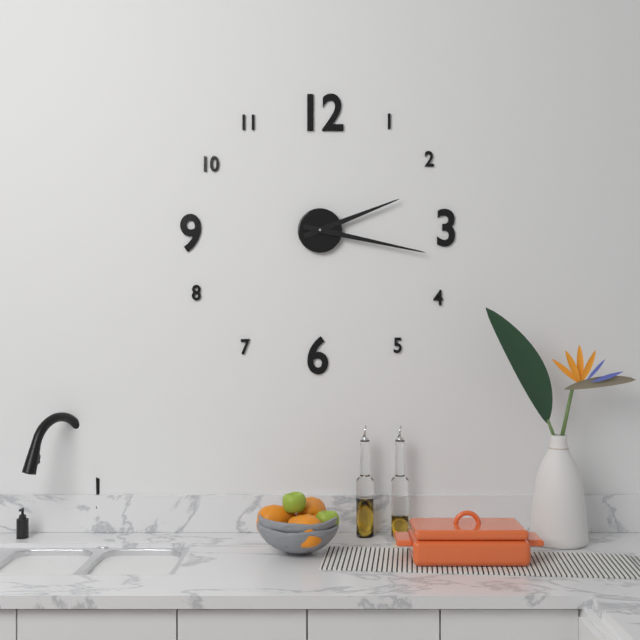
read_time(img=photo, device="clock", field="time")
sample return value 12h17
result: 2h17
